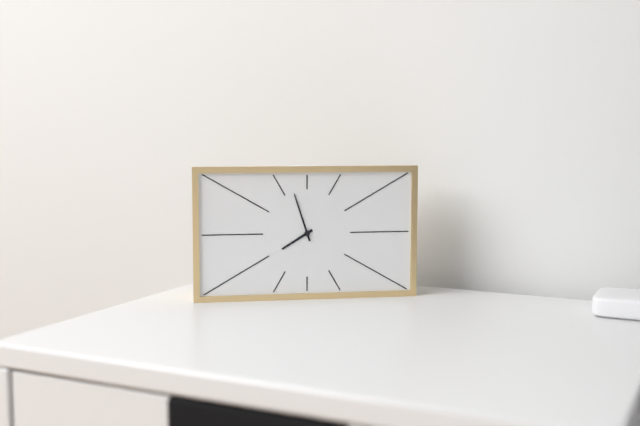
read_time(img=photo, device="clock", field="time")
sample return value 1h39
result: 7h57
